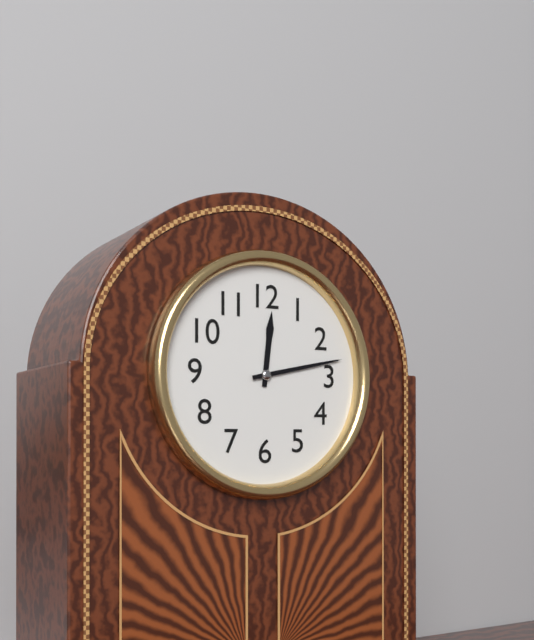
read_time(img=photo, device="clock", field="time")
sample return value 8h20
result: 12h13
